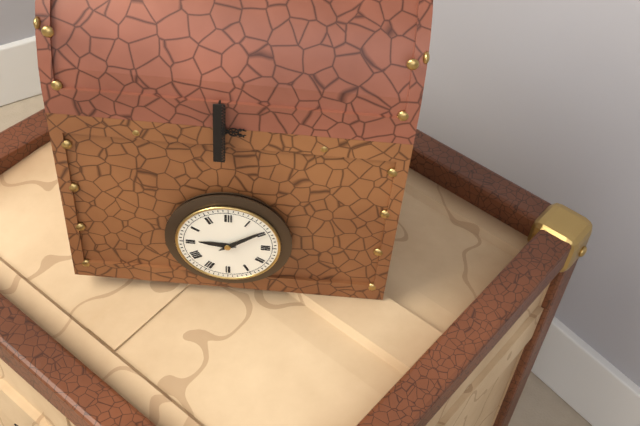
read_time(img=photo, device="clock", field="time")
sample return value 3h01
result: 9h09
